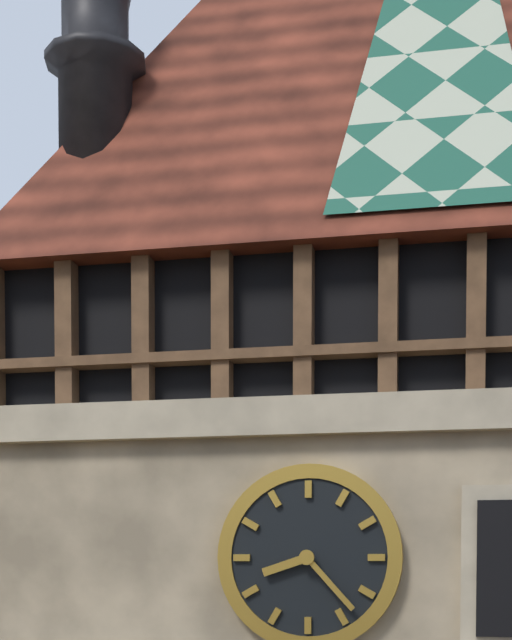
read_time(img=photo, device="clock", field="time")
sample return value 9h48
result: 8h23
